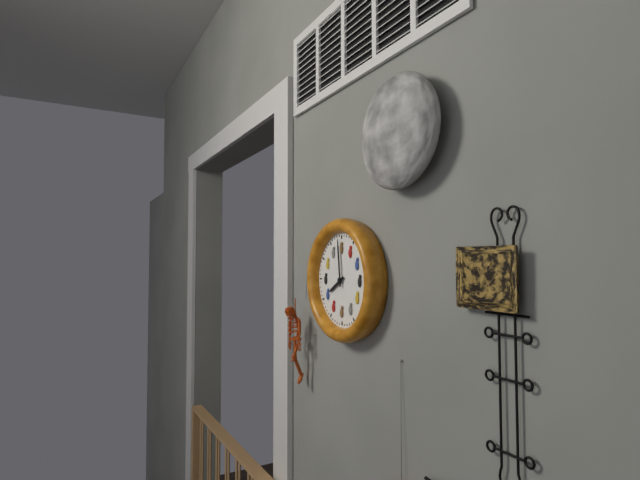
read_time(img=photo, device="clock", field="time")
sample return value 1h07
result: 7h59
